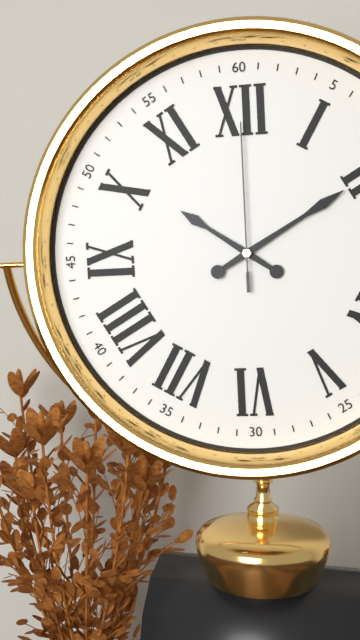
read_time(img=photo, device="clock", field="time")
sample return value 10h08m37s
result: 10h10m00s
